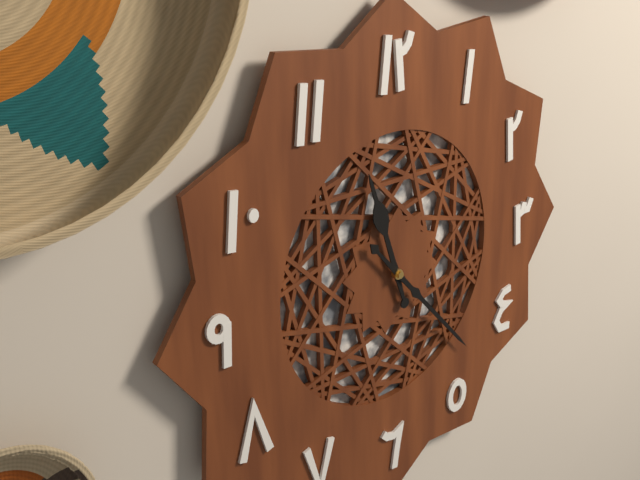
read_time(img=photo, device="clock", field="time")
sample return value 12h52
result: 11h23
